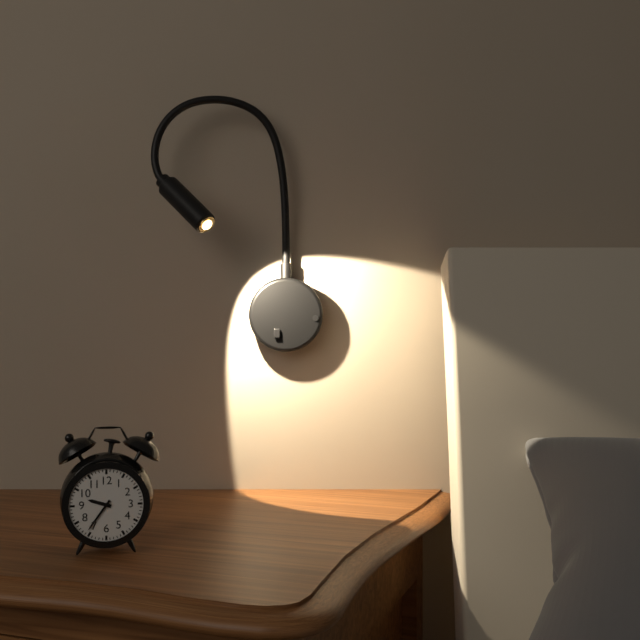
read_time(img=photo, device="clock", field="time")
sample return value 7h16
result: 9h36
